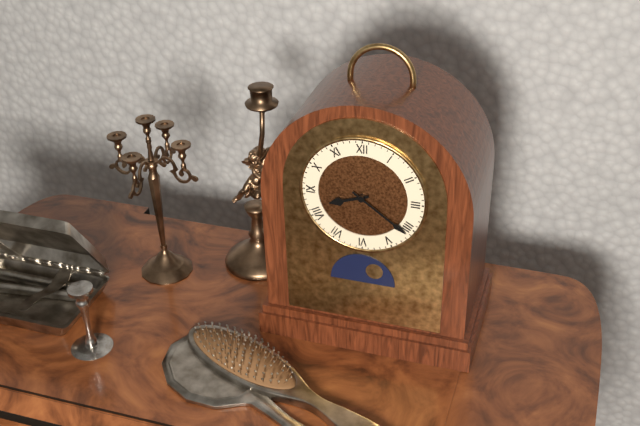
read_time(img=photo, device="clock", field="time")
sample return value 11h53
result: 8h21
